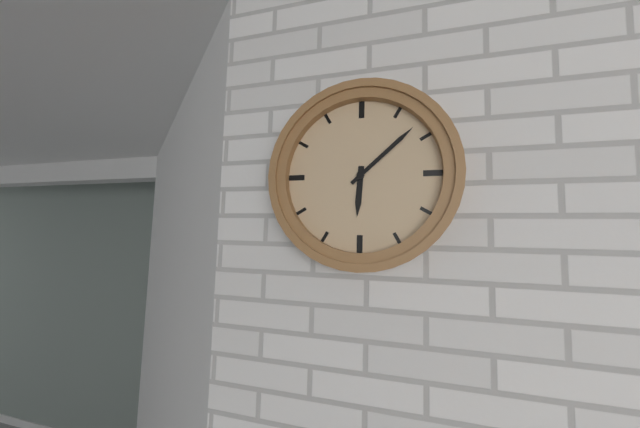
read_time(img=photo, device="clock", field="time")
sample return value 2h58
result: 6h08
